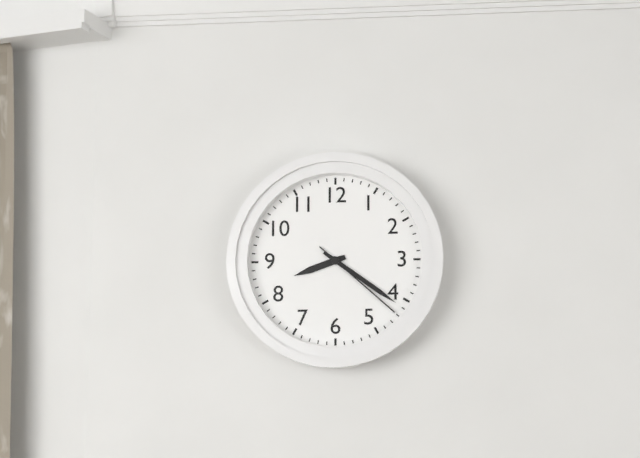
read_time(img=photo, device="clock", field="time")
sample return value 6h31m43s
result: 8h21m22s
